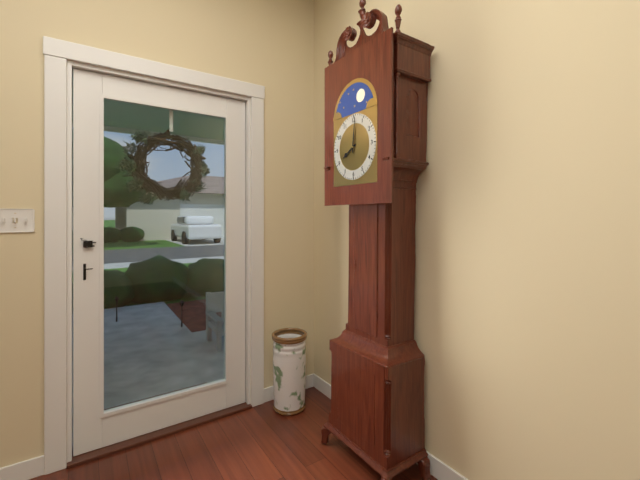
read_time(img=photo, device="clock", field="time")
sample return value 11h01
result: 8h01
